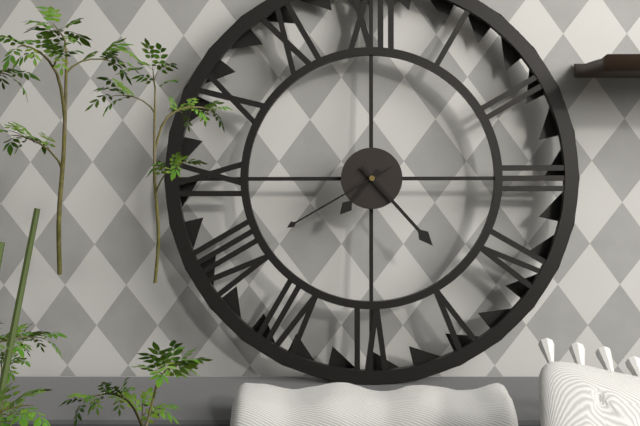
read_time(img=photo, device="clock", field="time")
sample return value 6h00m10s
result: 7h23m40s
